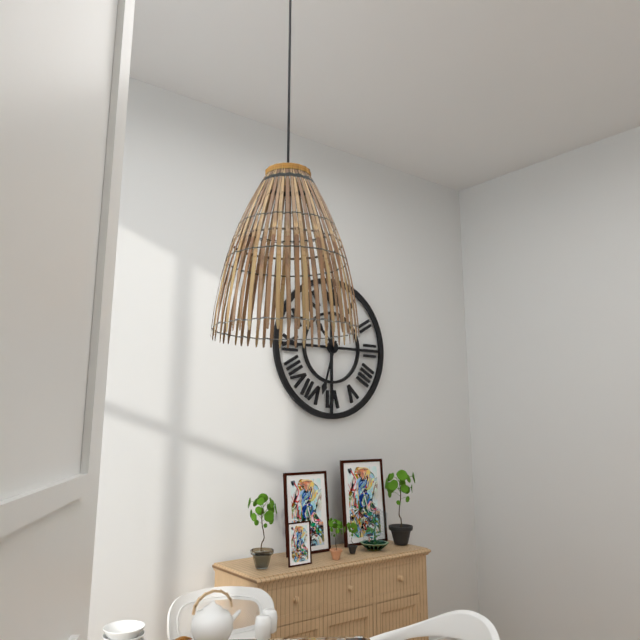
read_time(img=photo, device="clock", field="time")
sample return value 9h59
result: 10h33
